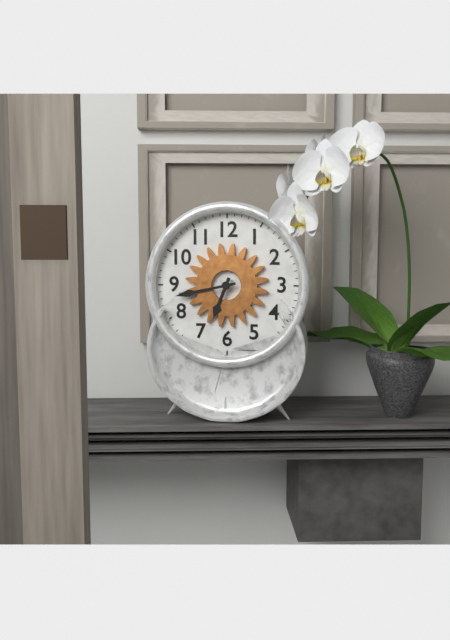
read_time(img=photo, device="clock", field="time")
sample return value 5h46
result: 6h43
